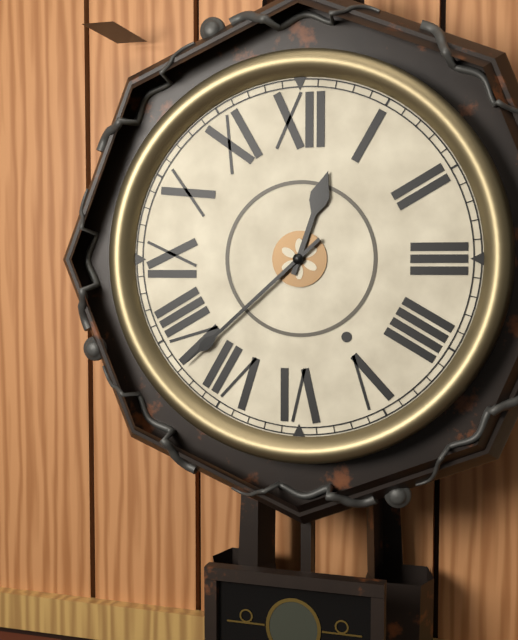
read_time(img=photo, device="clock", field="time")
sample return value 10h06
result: 12h38
